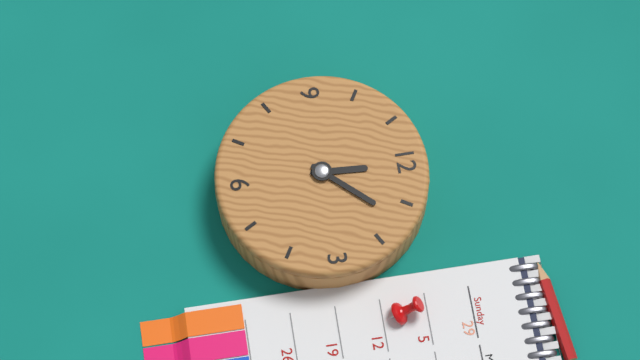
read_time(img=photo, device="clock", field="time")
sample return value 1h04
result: 12h07
